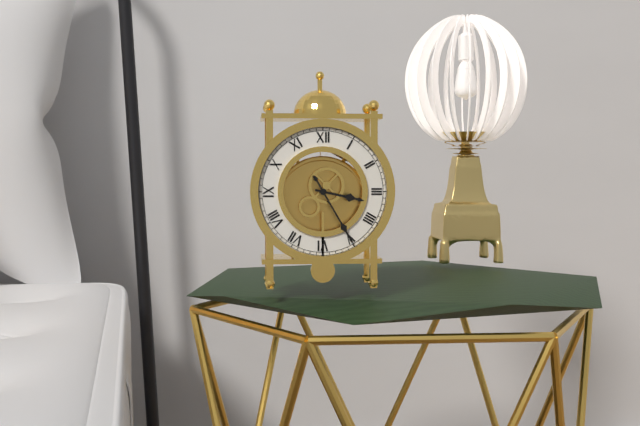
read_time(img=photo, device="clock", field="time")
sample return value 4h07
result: 3h25
